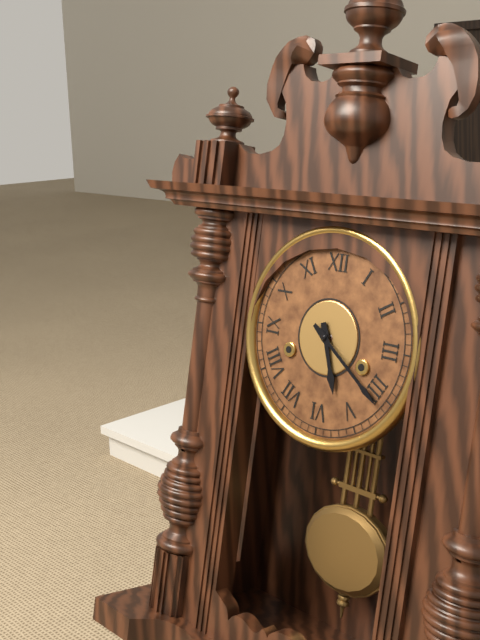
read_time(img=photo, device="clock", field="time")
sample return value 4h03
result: 5h21
